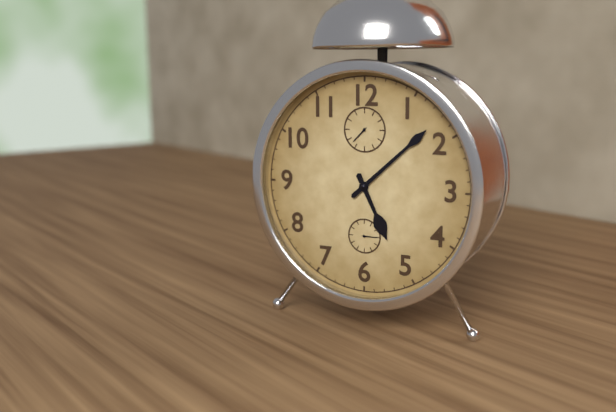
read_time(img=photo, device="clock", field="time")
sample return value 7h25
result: 5h08
